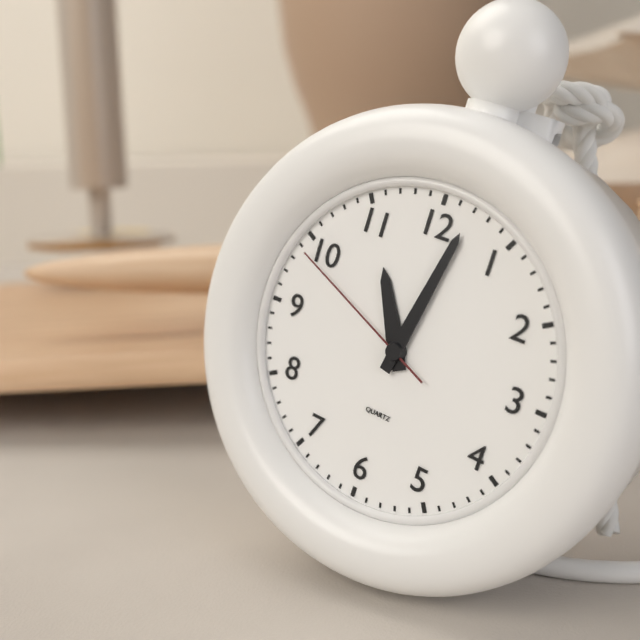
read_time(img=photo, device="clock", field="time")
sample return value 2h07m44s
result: 11h02m49s
